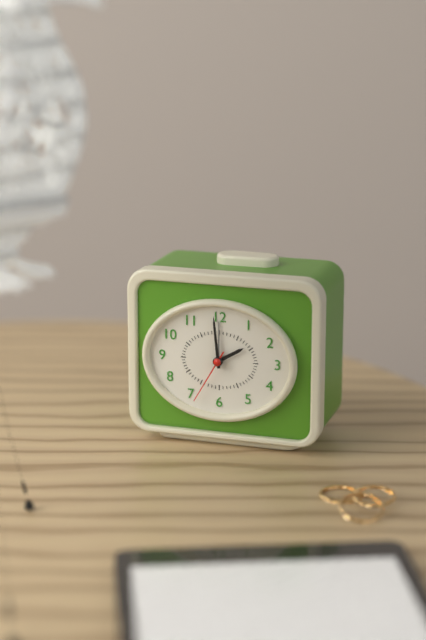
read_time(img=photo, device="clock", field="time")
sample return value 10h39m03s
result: 1h59m35s
